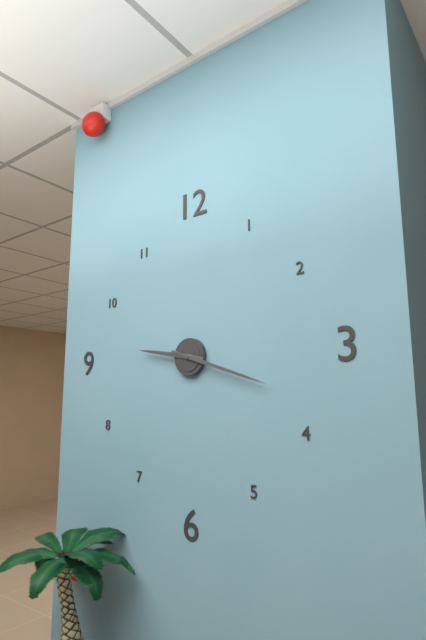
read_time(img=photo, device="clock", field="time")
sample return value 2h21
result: 9h18
